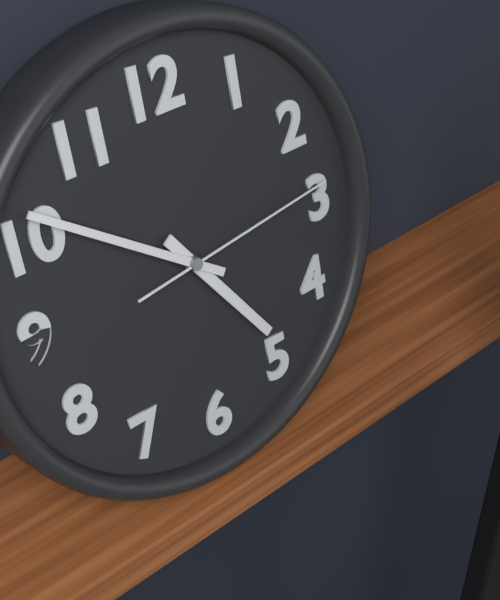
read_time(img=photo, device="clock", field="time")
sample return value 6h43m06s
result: 4h51m14s
